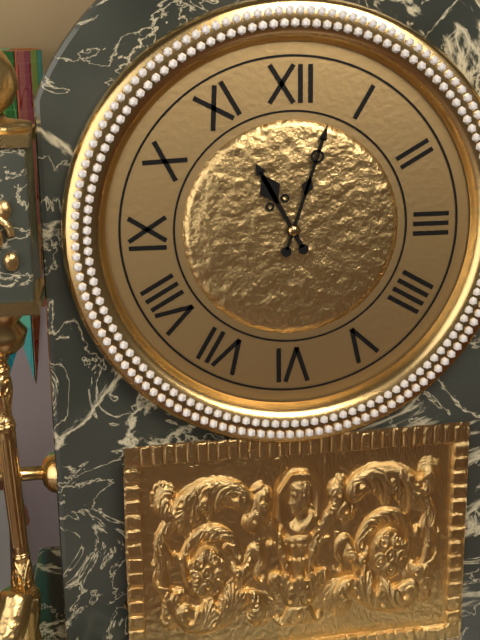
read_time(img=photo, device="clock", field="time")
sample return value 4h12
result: 11h03
